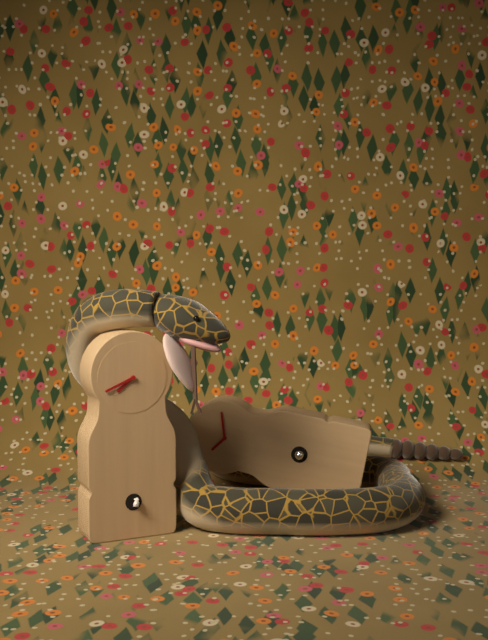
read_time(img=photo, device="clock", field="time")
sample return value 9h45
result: 7h41
